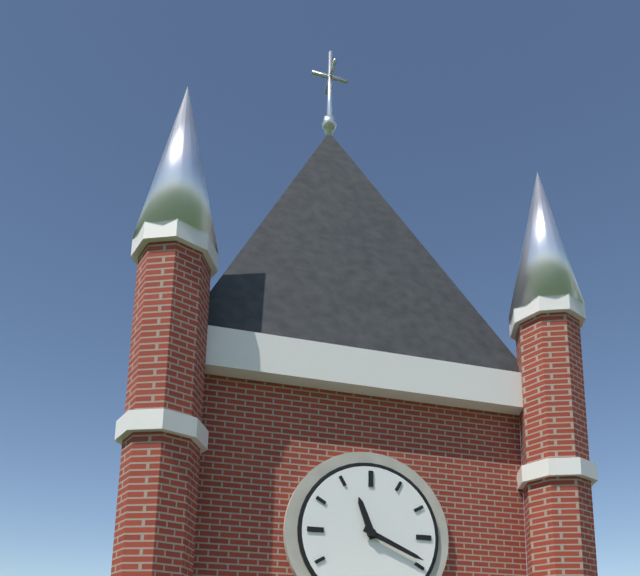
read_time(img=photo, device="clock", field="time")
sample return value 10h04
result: 11h19
